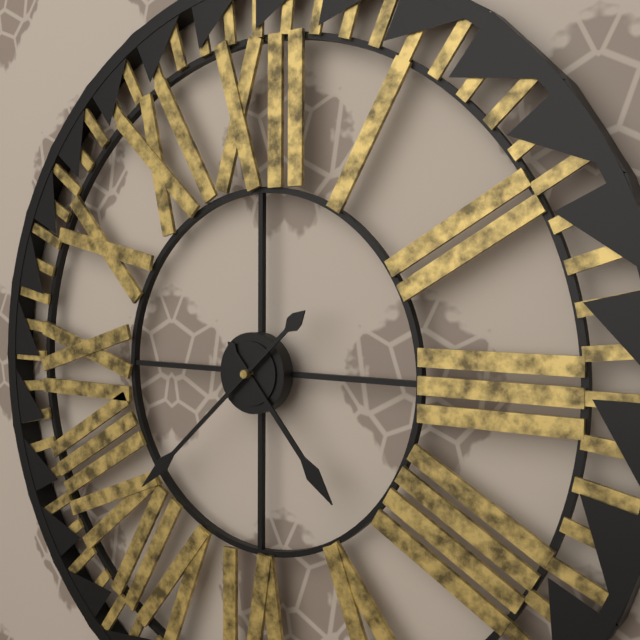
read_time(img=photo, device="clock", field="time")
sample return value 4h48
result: 4h38
